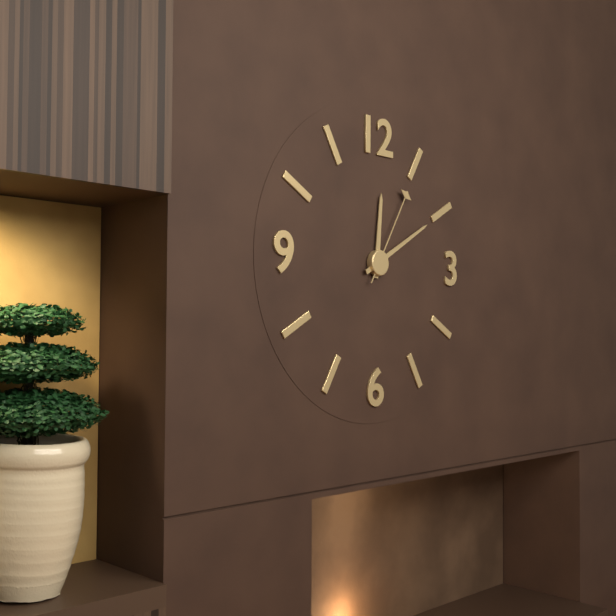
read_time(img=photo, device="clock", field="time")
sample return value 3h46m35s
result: 12h10m05s
